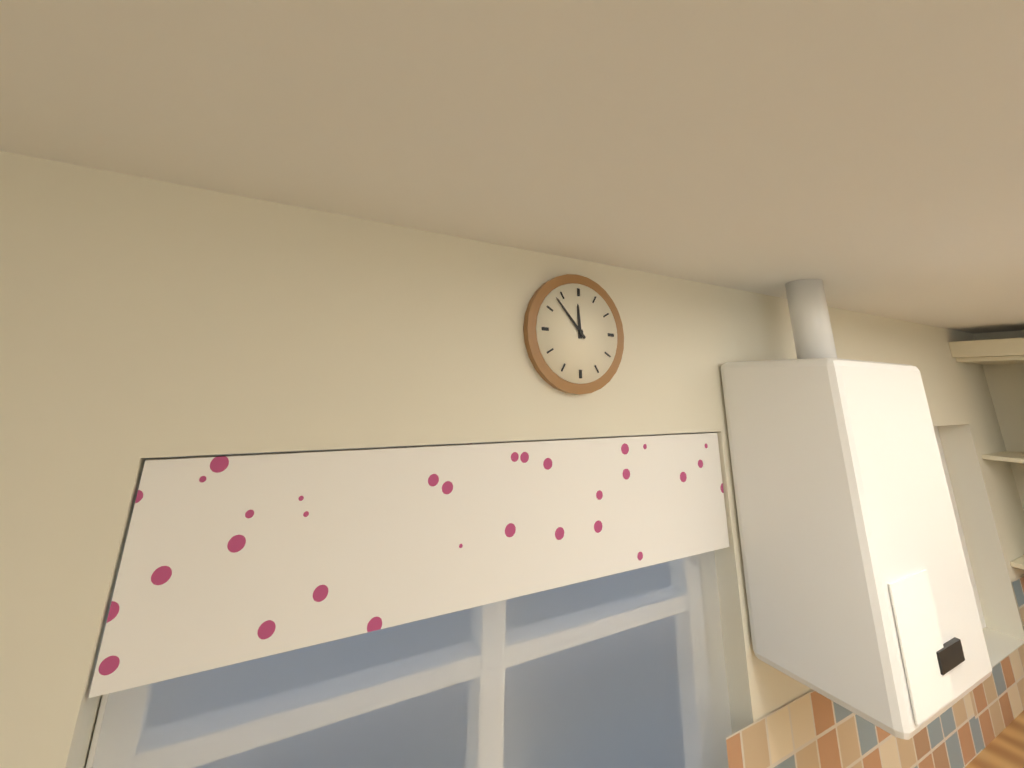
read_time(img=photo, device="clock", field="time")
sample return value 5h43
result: 11h53
